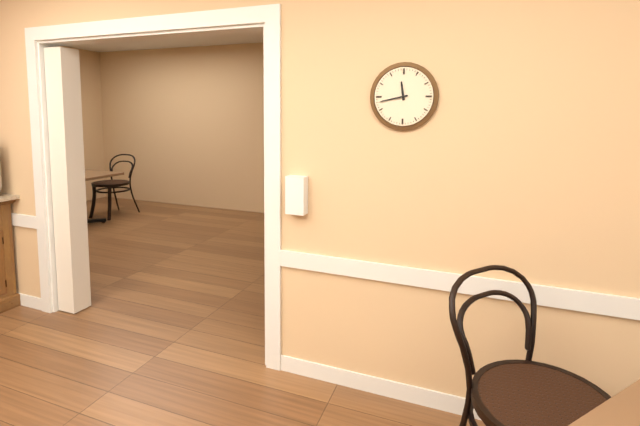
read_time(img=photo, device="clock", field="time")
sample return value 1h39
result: 11h43
